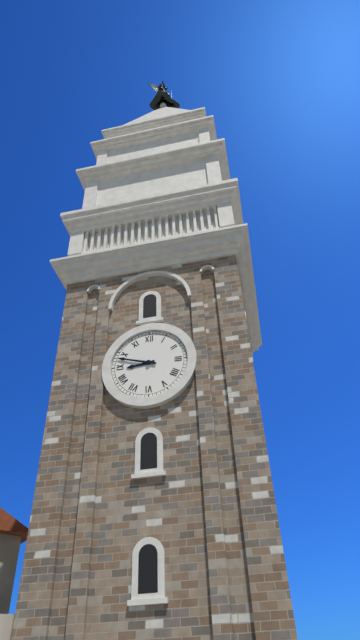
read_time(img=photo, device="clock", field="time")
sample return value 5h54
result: 8h48
